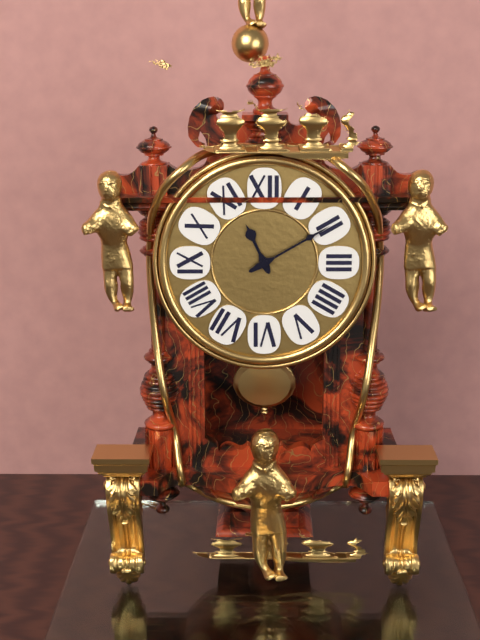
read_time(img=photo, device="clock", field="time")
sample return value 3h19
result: 11h10
